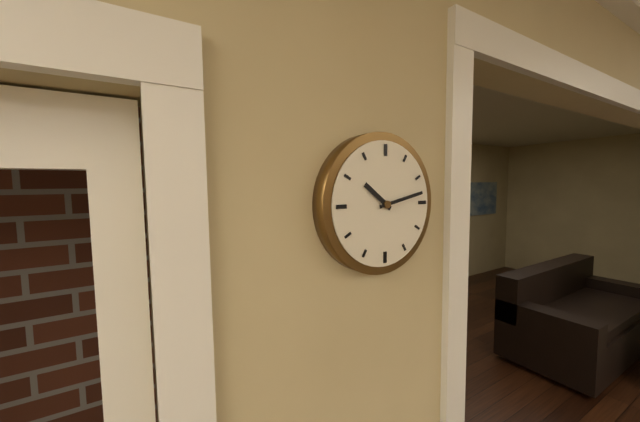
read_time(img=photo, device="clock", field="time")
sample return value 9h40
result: 10h13
